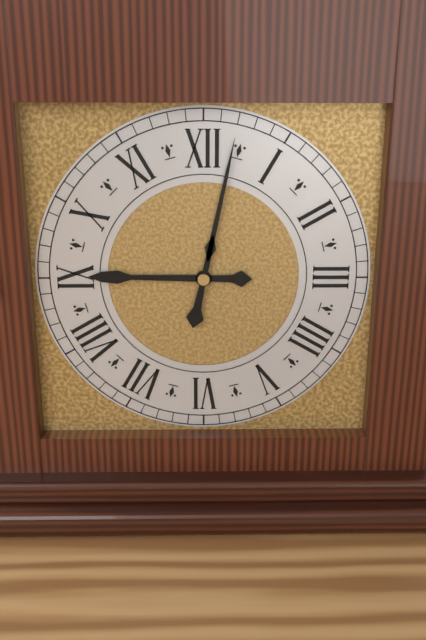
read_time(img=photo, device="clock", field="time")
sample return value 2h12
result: 9h02
